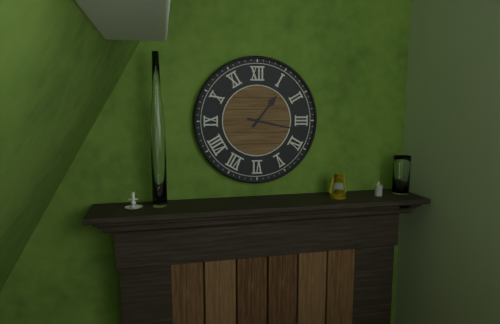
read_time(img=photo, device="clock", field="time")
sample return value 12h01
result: 1h17
